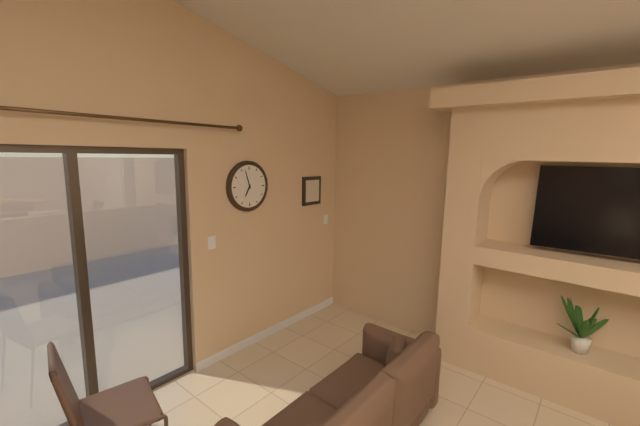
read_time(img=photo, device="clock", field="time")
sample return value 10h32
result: 6h57
